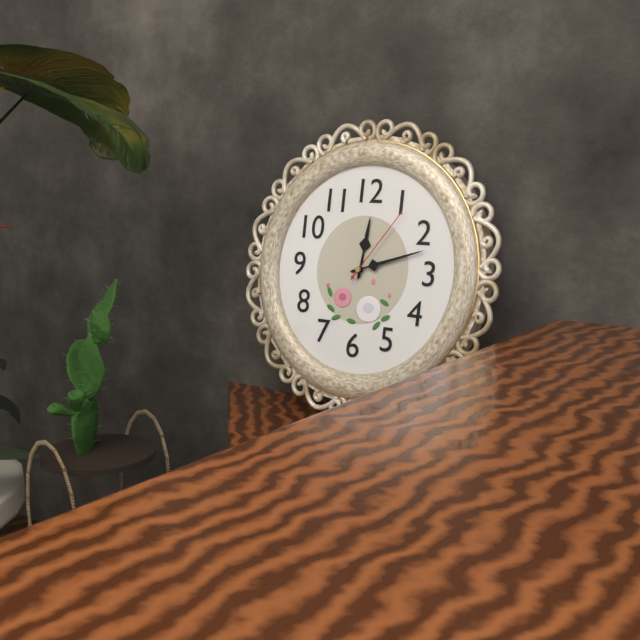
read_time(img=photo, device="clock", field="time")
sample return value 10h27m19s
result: 12h12m06s
